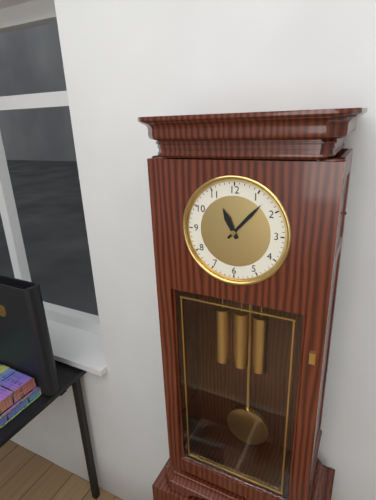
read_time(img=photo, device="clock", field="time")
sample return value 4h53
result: 11h07
